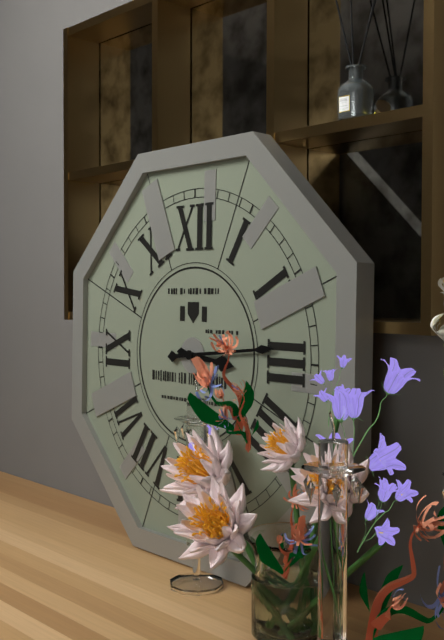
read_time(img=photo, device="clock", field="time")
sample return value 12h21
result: 3h14
